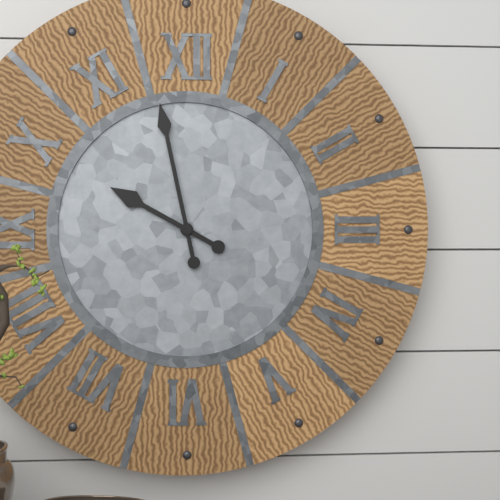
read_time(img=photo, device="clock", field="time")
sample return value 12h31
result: 9h58
